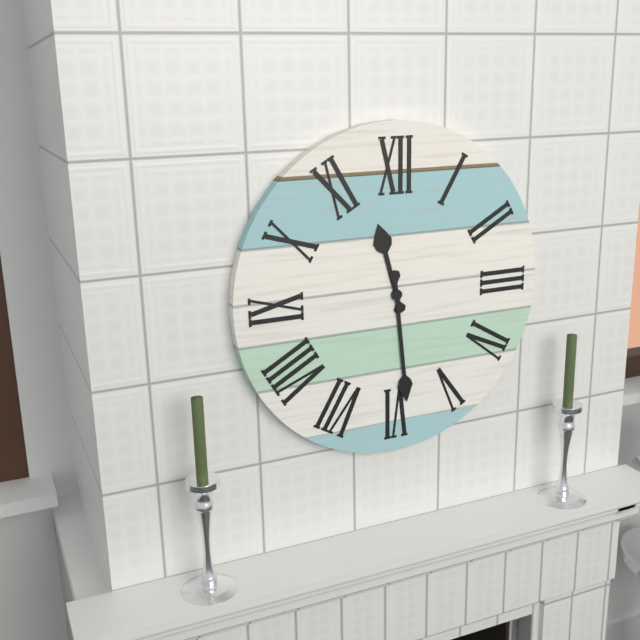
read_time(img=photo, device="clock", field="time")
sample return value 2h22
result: 11h29
